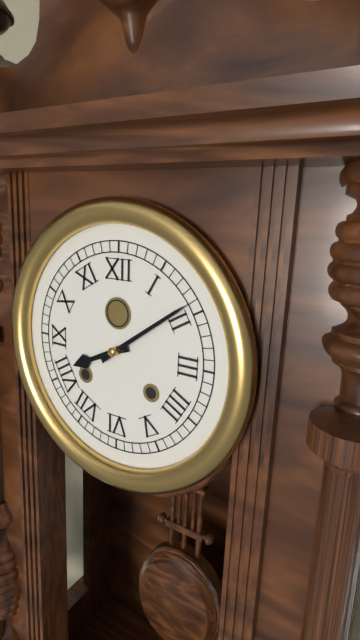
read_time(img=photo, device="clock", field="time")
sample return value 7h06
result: 8h09
